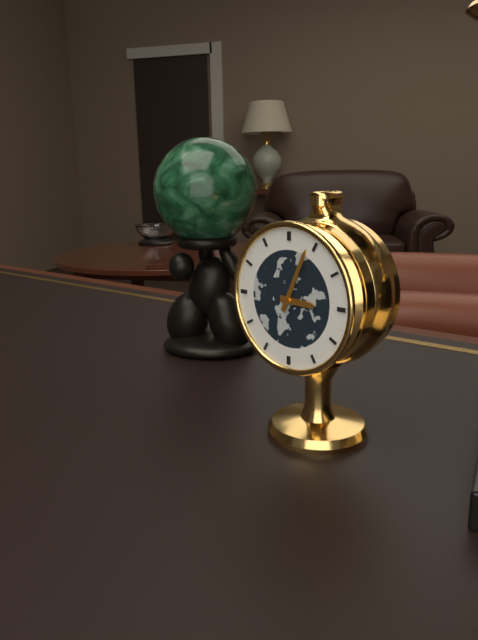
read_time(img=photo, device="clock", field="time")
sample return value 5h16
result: 3h04
